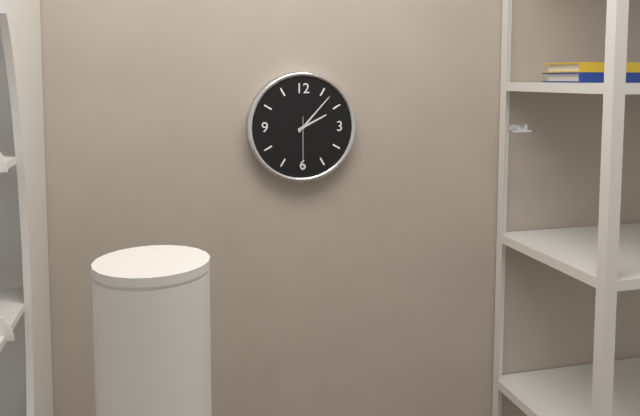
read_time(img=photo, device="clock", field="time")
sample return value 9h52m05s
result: 2h07m30s
